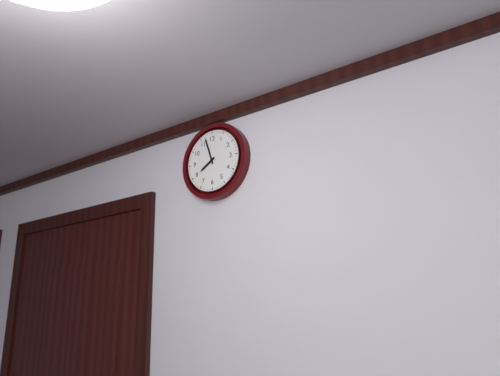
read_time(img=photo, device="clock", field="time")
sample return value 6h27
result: 7h57
